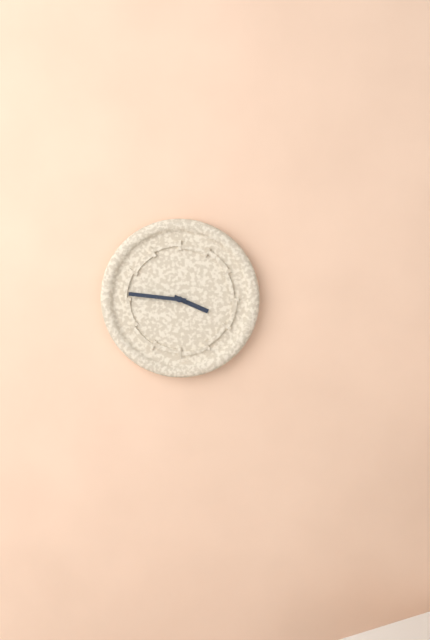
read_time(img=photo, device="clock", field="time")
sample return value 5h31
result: 3h46
